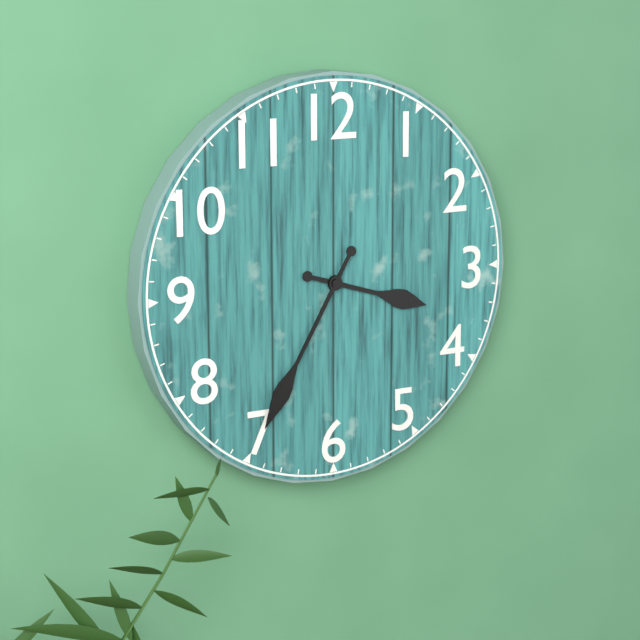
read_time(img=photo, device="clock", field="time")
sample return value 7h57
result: 3h35
